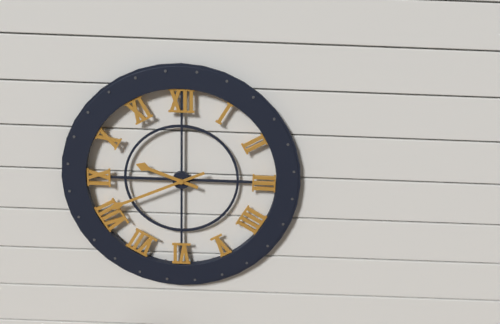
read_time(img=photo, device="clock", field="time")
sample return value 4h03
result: 9h41
